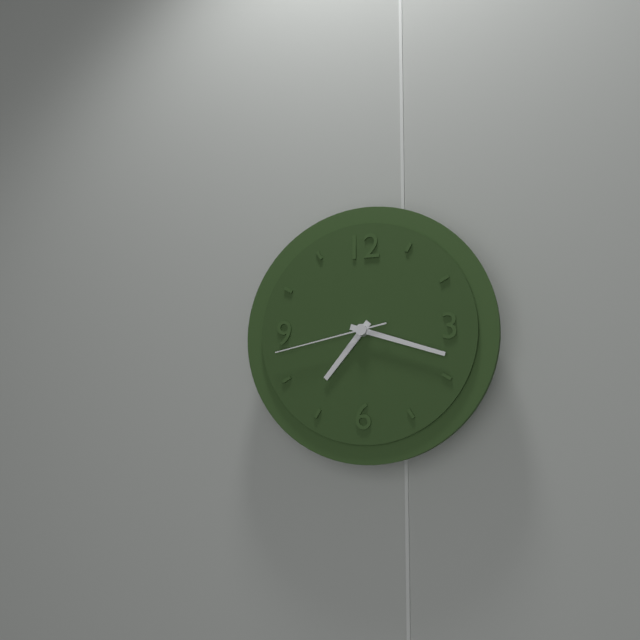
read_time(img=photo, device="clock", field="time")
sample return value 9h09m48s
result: 7h18m43s
